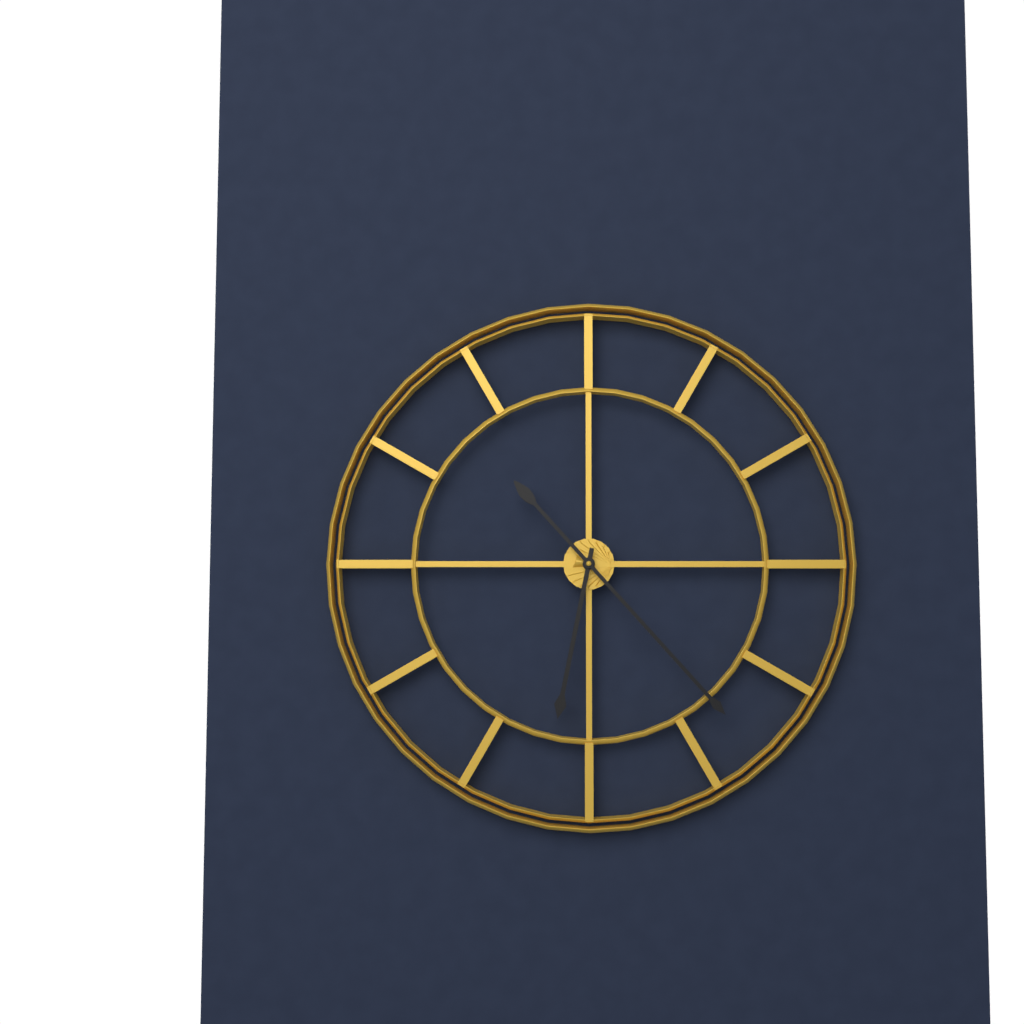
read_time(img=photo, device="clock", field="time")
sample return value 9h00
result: 6h23
